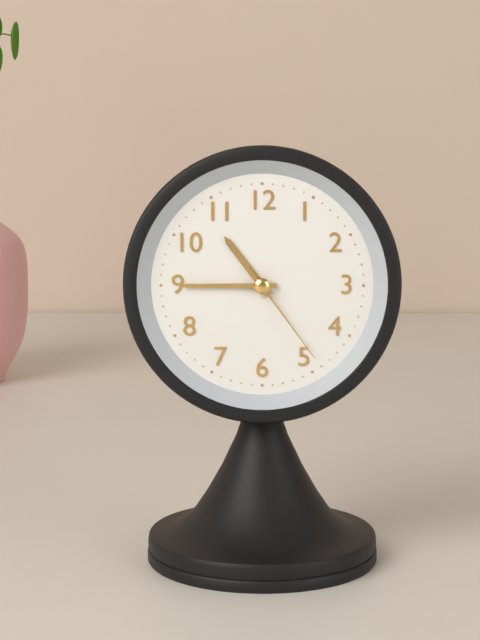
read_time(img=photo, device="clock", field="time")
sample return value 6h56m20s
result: 10h45m24s
